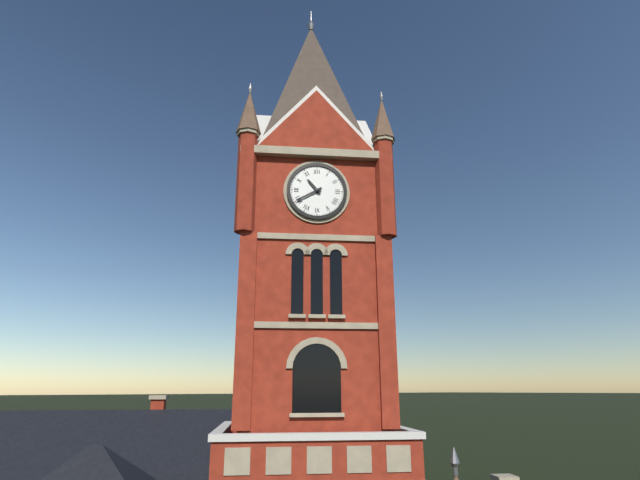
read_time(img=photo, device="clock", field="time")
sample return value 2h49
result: 10h40
